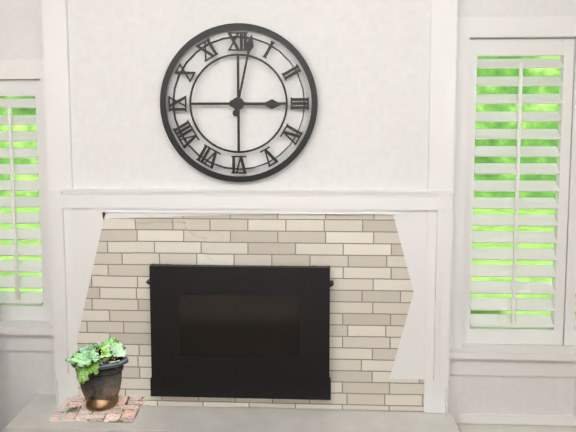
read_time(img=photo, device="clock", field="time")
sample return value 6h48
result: 3h02
